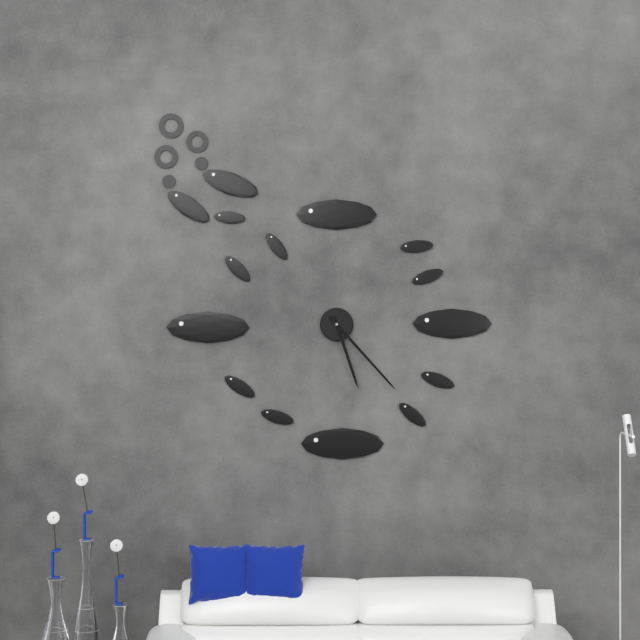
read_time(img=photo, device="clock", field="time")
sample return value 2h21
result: 5h23
